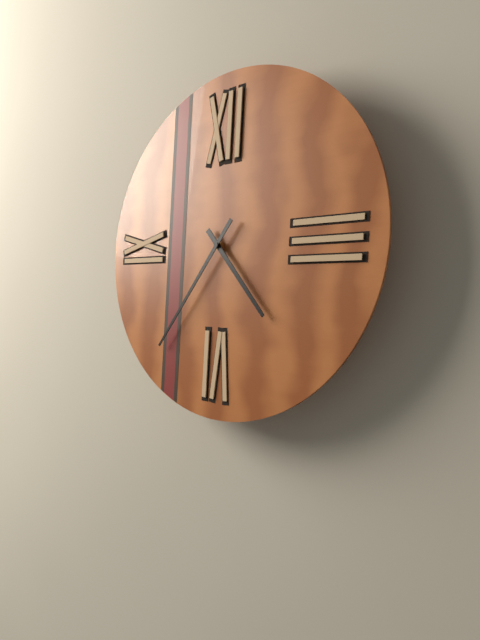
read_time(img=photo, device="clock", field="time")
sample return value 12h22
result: 4h36
